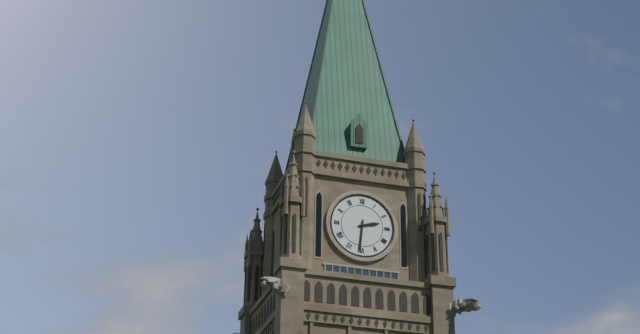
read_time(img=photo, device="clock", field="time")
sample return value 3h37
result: 2h31
